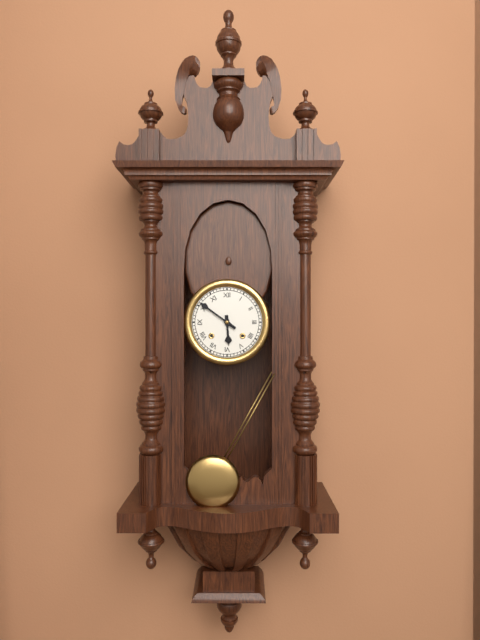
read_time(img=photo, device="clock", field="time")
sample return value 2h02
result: 5h51
